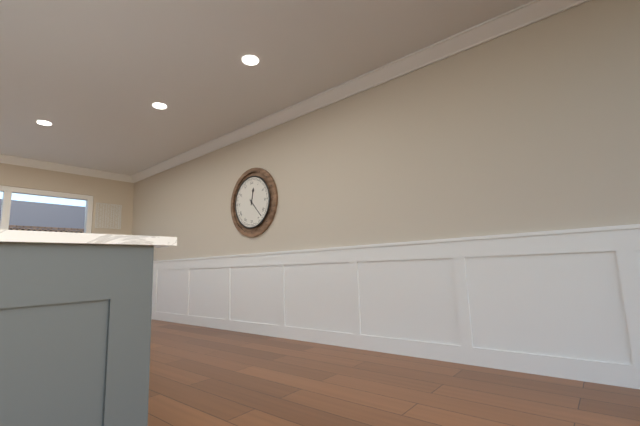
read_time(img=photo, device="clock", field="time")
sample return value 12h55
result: 12h23
